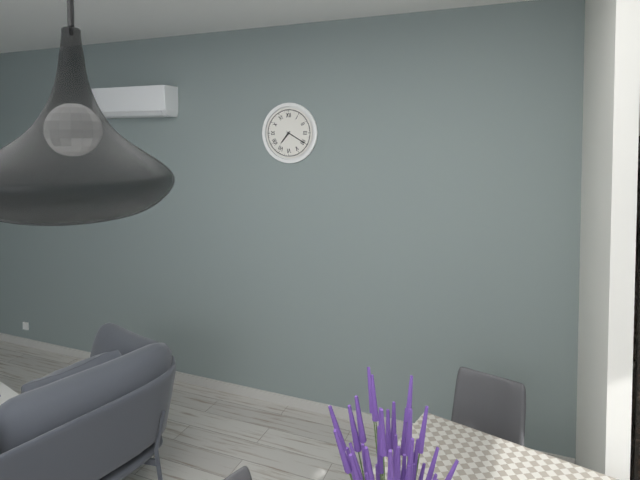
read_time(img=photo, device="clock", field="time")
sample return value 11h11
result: 7h20
